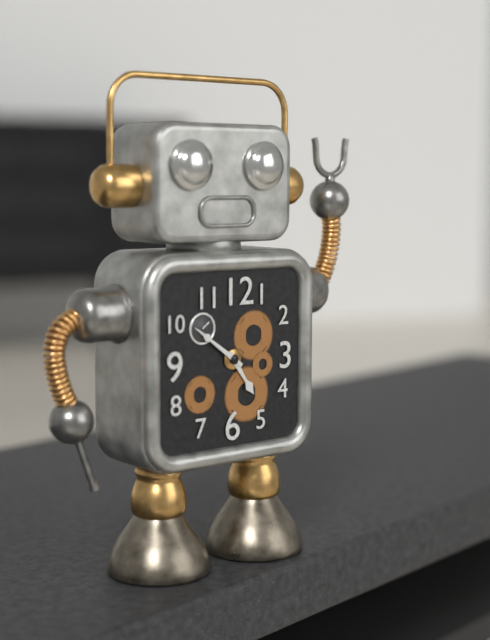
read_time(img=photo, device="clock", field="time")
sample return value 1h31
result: 4h51
